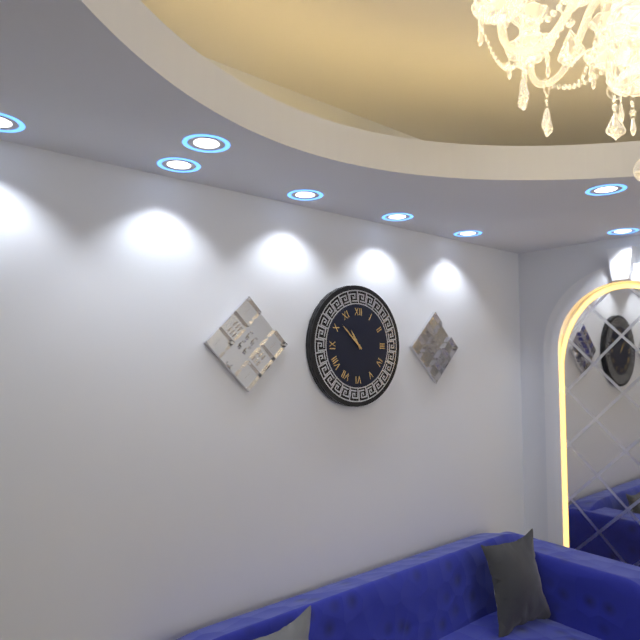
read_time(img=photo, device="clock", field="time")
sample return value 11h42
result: 10h52
